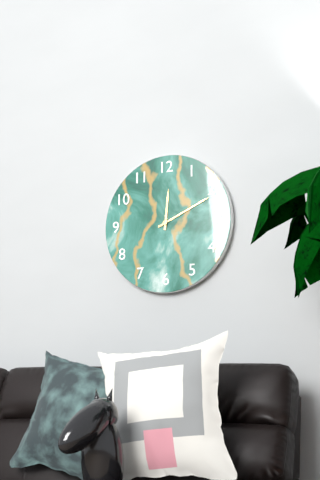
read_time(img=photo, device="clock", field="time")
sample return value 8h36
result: 12h11
